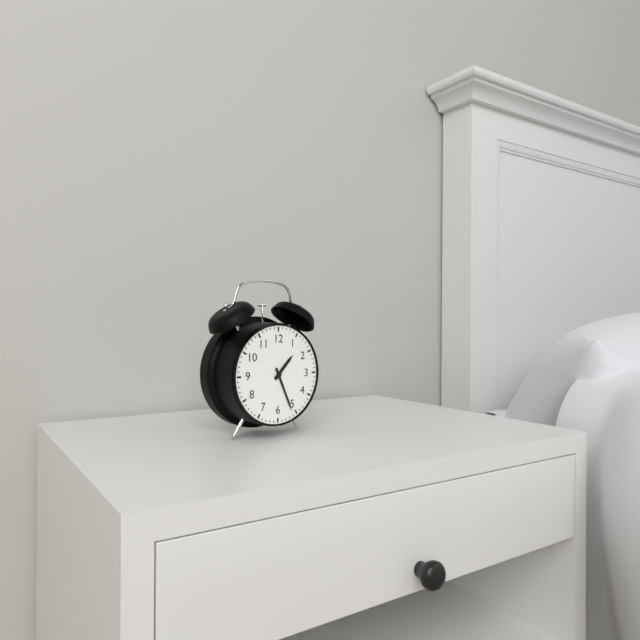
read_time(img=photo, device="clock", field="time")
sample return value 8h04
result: 1h26
